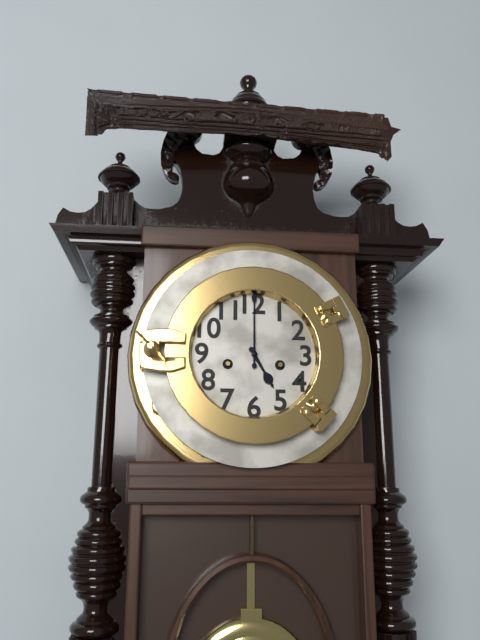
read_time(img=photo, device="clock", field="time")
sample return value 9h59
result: 5h00
